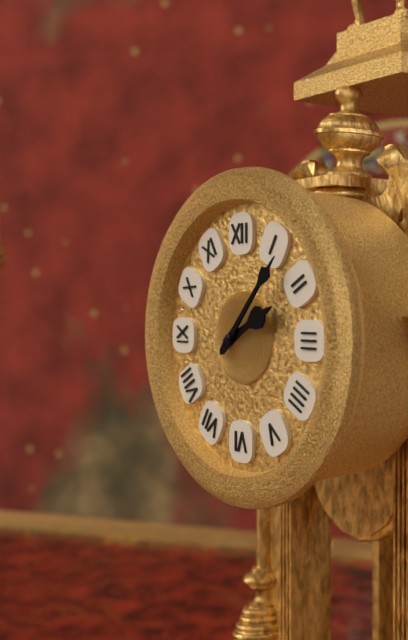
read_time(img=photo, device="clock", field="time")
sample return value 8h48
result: 2h07
